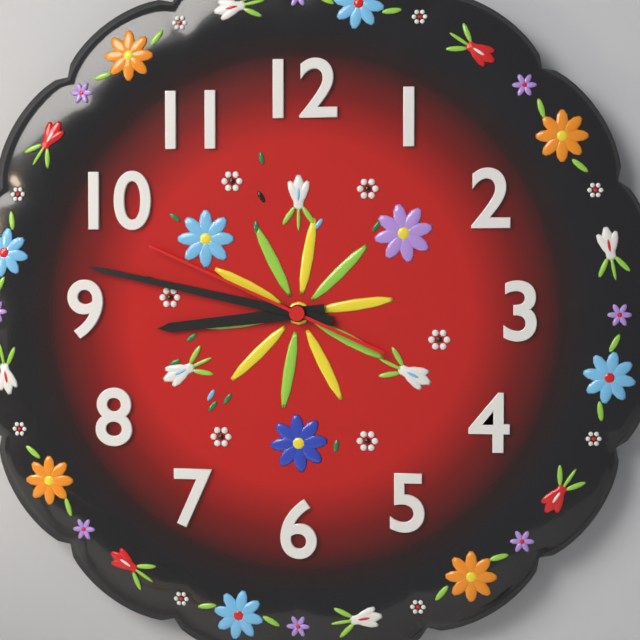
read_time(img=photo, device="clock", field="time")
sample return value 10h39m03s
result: 8h47m49s
